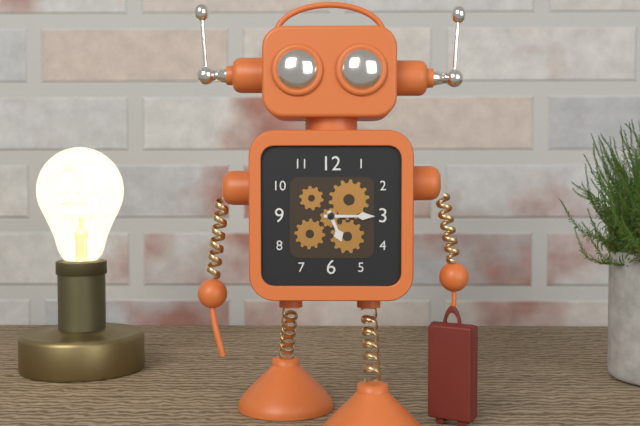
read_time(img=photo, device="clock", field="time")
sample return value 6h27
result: 5h15
